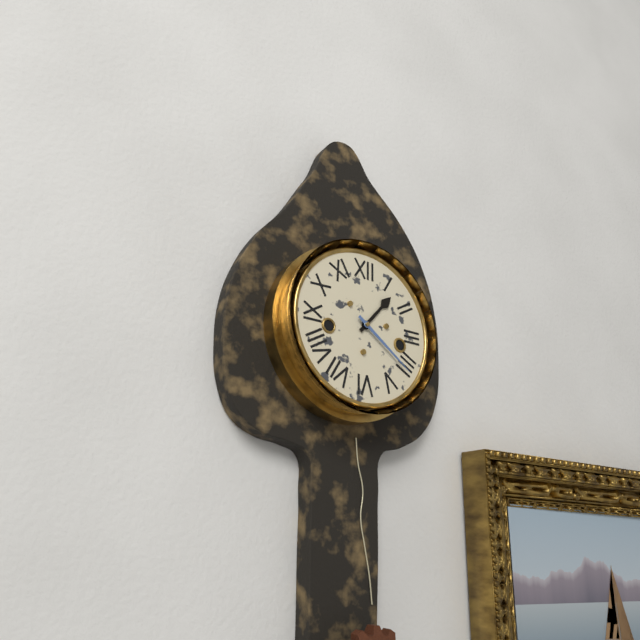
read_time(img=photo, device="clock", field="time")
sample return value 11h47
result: 1h21
